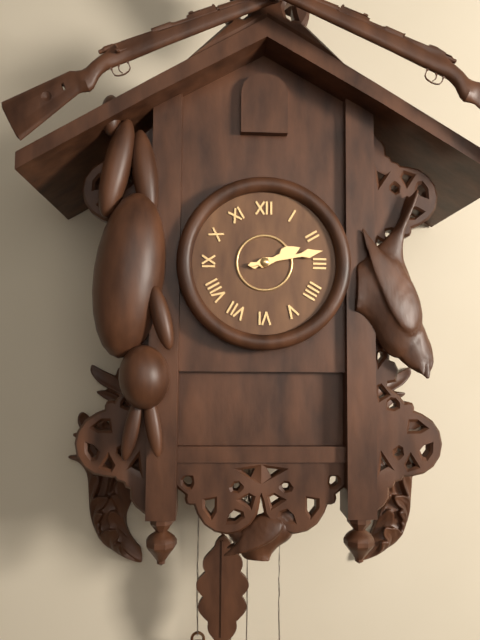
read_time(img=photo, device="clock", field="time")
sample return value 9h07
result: 2h13
